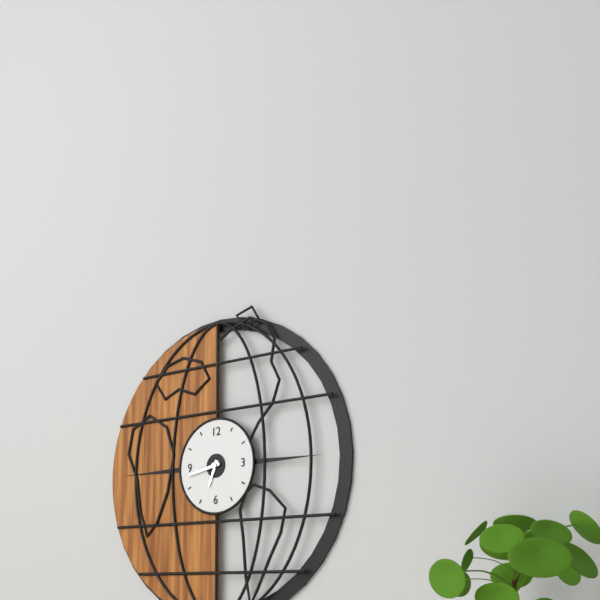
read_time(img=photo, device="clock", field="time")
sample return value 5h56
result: 6h43
